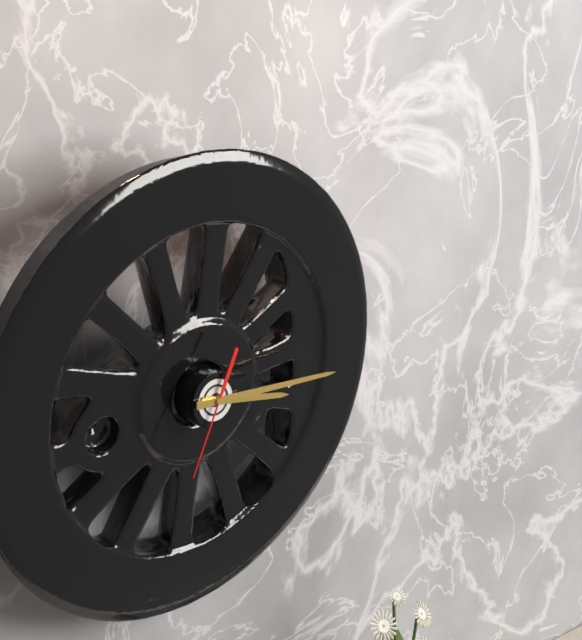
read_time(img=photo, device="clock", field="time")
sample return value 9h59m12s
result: 3h15m34s
